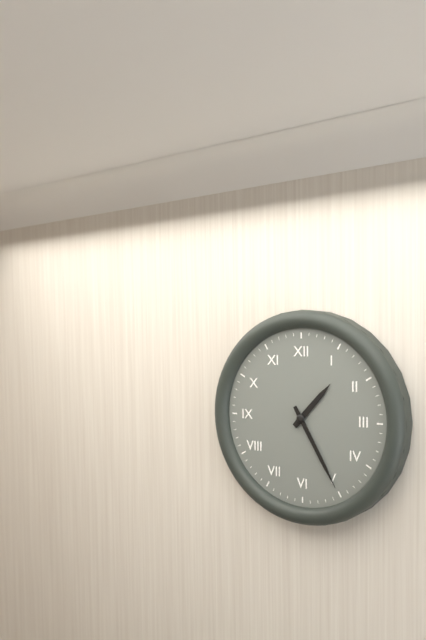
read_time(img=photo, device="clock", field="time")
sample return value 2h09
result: 1h25
